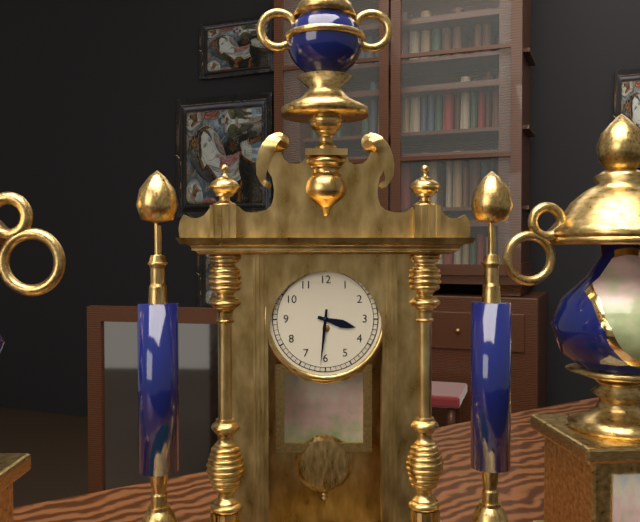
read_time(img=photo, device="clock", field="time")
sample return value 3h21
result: 3h31
